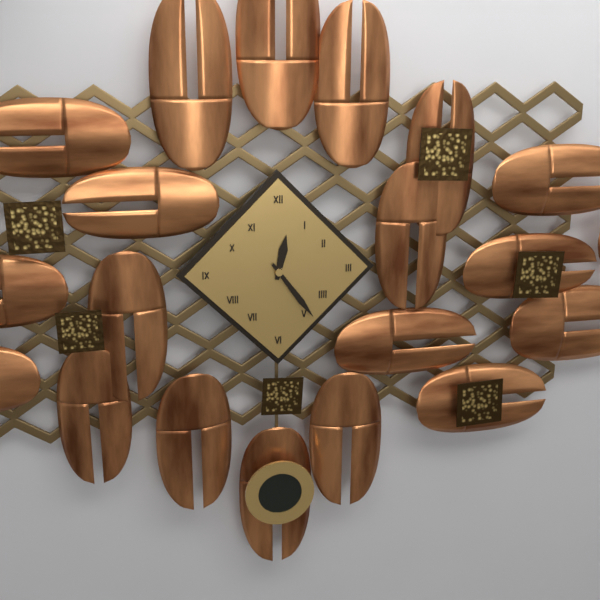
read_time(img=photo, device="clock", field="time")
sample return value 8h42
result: 12h24
